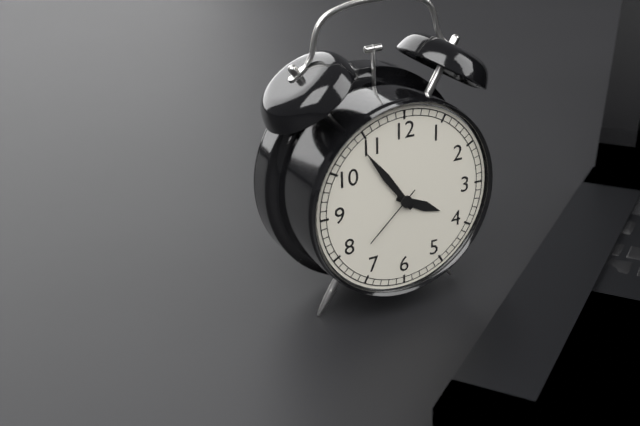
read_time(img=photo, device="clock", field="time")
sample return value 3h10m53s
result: 3h54m38s
